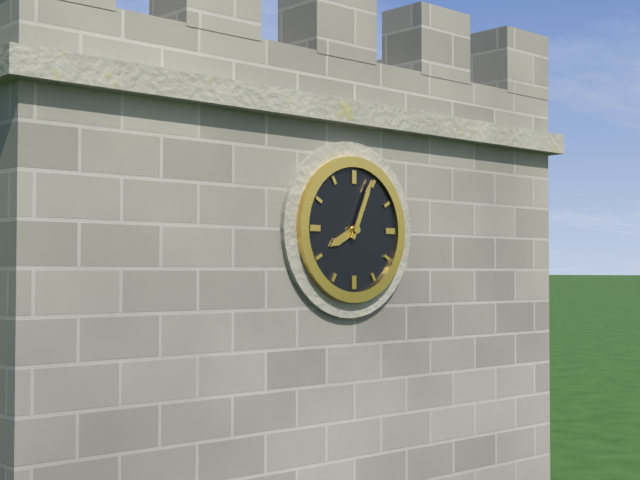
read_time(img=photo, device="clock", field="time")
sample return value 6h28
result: 8h04
